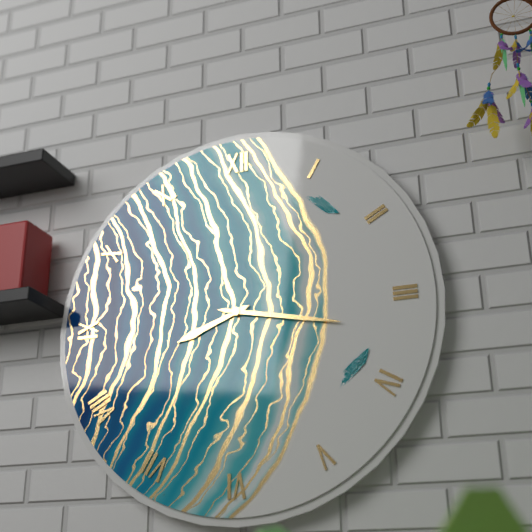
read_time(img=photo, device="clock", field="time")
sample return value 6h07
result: 8h17
